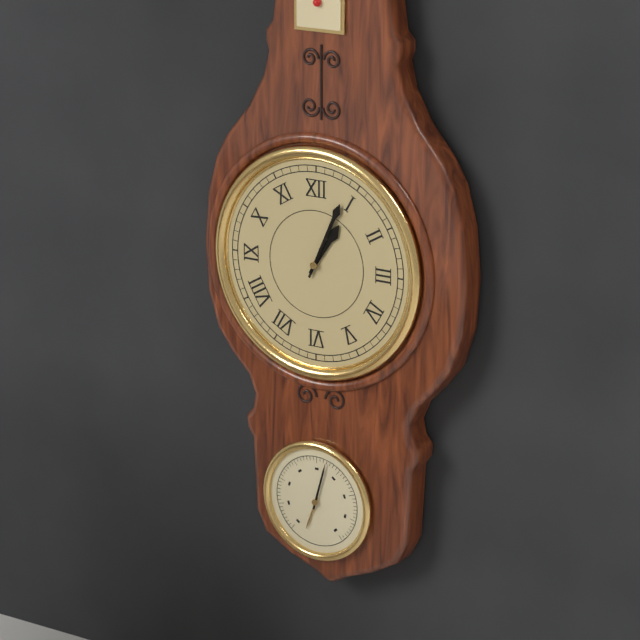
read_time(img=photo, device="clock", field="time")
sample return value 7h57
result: 1h04
